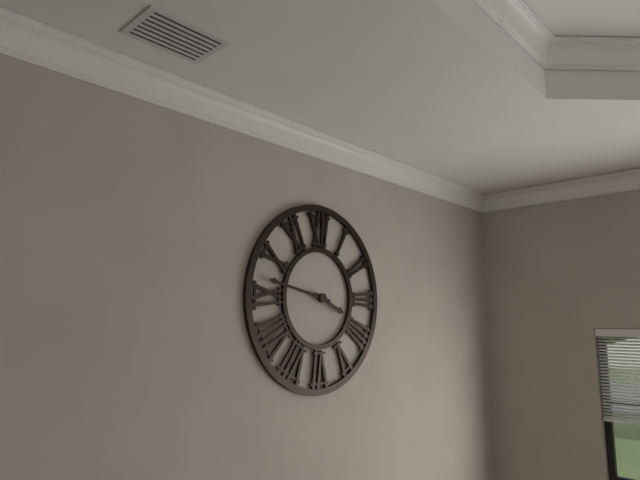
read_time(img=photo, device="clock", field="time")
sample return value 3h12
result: 3h47
